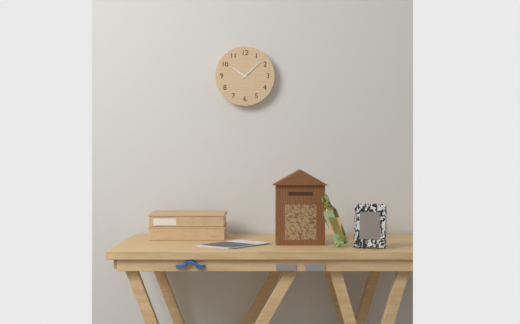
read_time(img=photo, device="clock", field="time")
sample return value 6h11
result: 10h08
